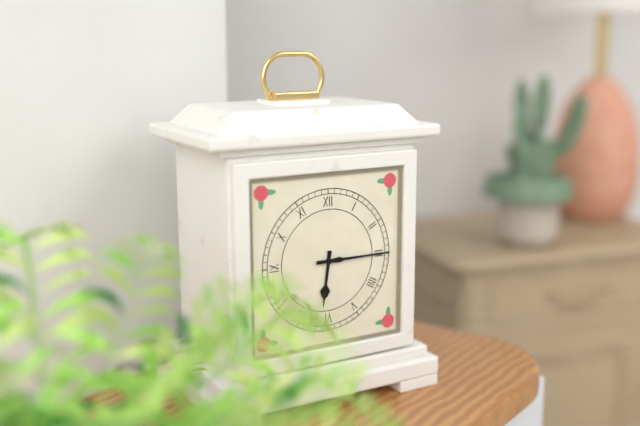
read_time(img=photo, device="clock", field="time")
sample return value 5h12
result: 6h15
